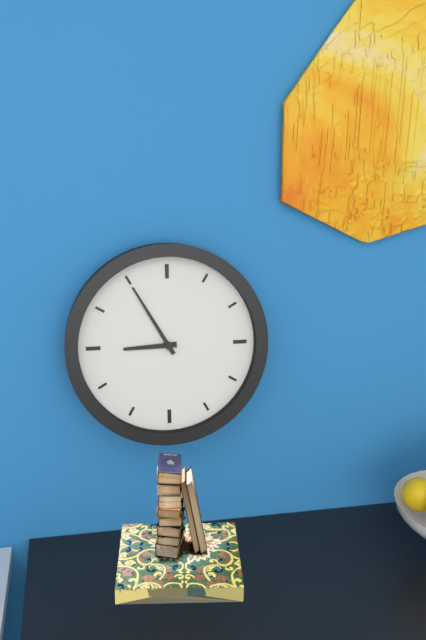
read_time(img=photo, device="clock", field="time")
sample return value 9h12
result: 8h55
